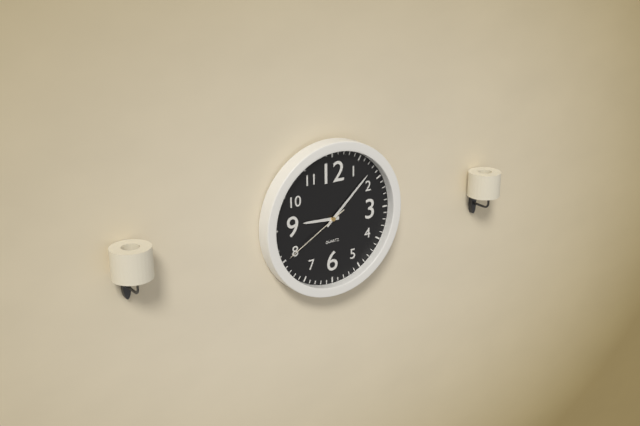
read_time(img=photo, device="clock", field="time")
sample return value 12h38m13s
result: 9h08m40s
